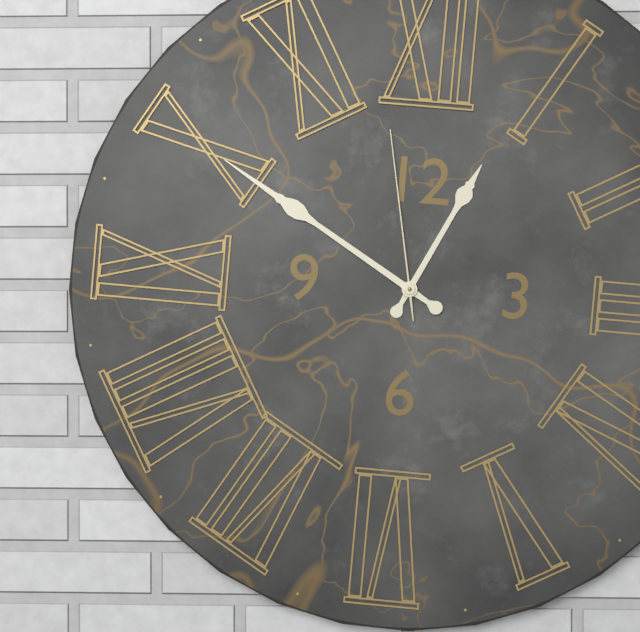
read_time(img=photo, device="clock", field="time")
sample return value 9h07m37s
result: 12h50m58s
